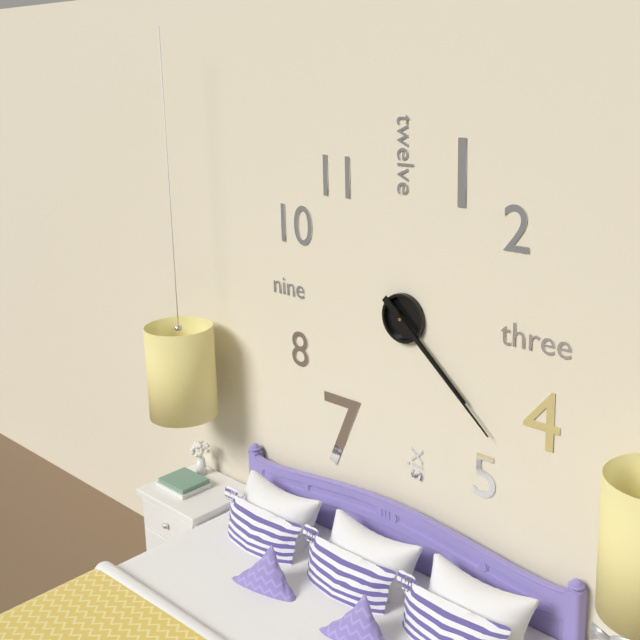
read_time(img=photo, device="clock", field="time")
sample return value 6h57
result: 4h22
